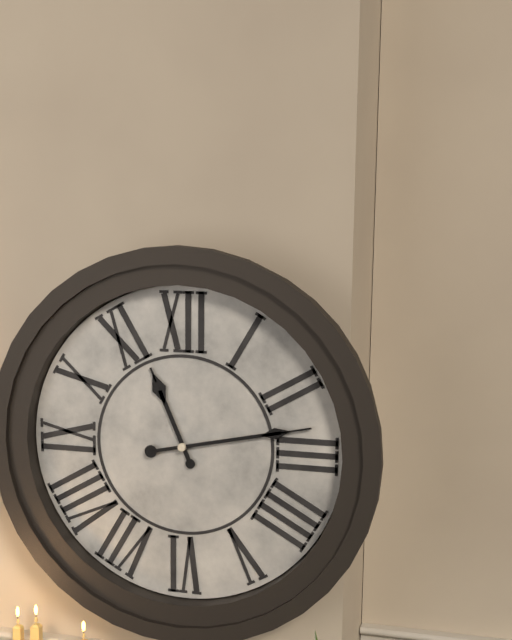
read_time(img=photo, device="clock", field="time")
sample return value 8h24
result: 11h13
